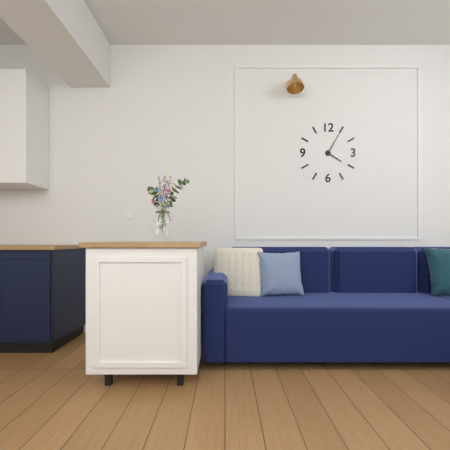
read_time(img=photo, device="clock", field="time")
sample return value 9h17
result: 4h05
